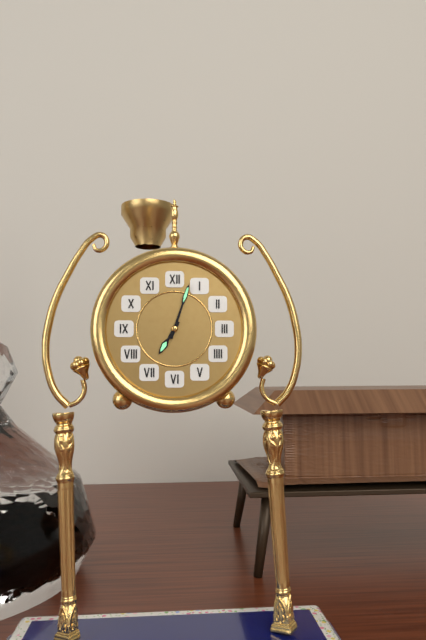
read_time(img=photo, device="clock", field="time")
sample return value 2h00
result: 7h03
